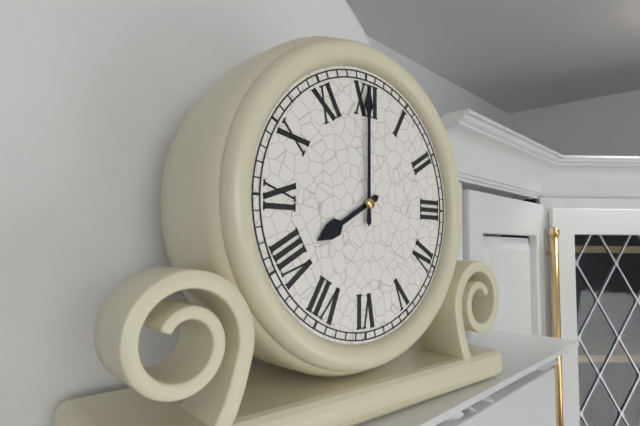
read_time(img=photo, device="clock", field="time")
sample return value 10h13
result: 8h00
